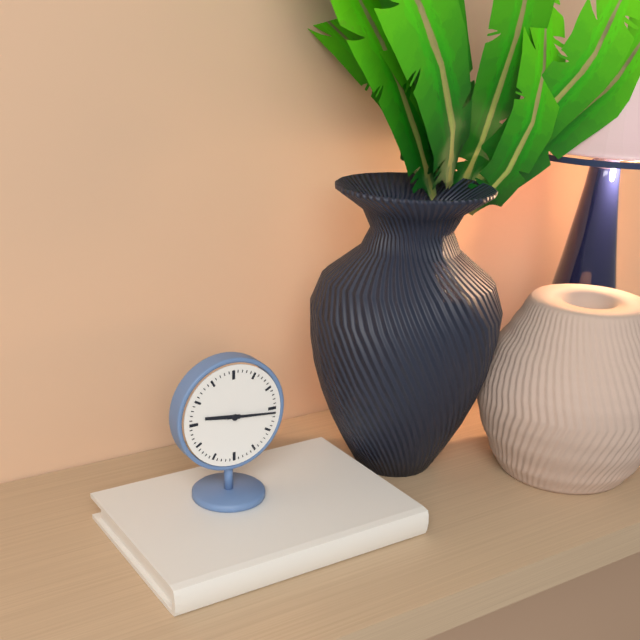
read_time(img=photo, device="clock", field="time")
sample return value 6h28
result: 9h16
